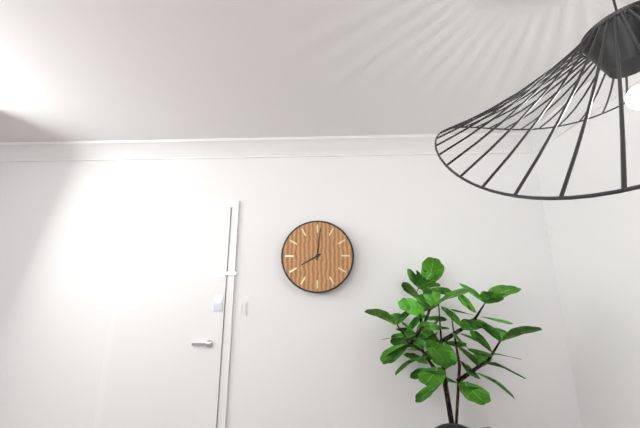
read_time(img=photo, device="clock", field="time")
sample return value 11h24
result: 8h01
